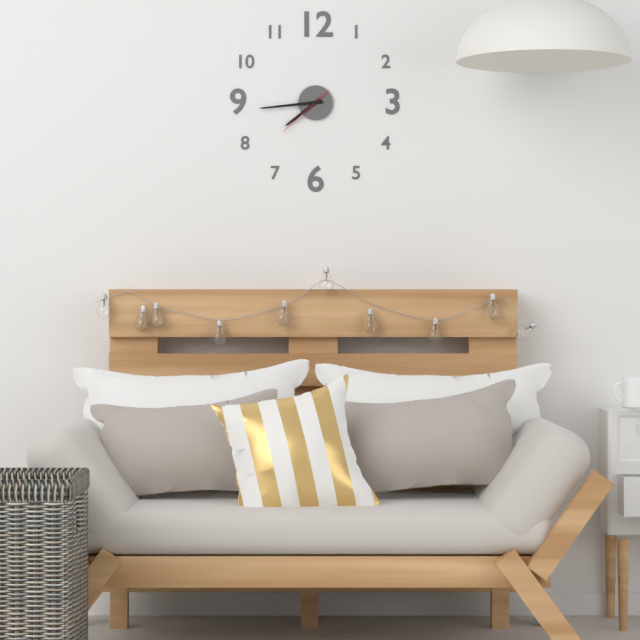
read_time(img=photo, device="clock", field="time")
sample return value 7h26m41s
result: 7h44m38s
